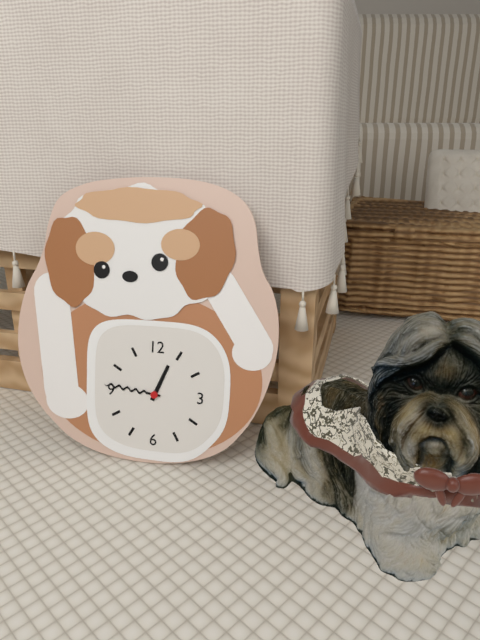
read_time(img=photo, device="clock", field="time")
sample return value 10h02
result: 12h46
